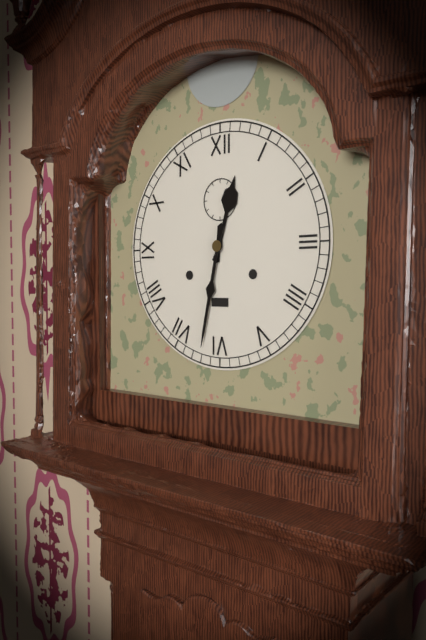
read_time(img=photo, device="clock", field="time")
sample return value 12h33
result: 12h32
